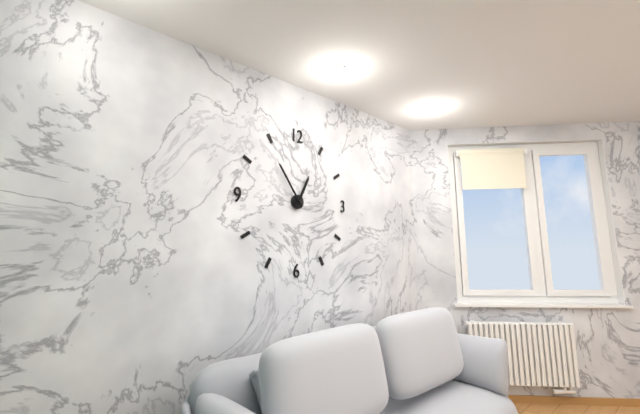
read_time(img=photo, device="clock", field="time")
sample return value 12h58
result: 12h54
